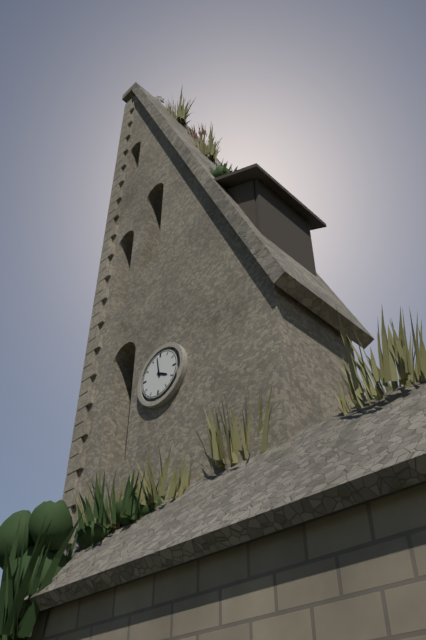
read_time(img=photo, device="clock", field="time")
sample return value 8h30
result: 3h58
